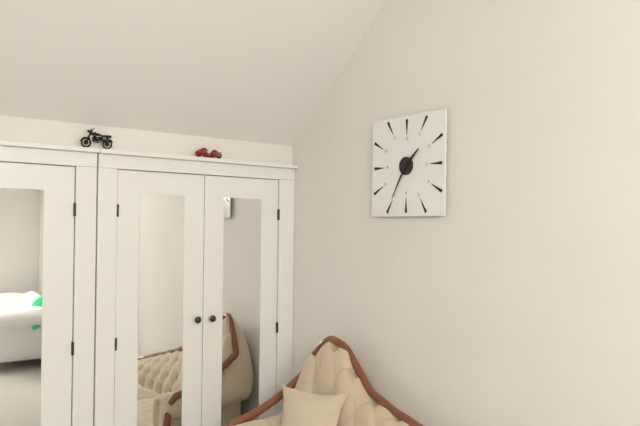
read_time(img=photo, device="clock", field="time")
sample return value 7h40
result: 1h35
